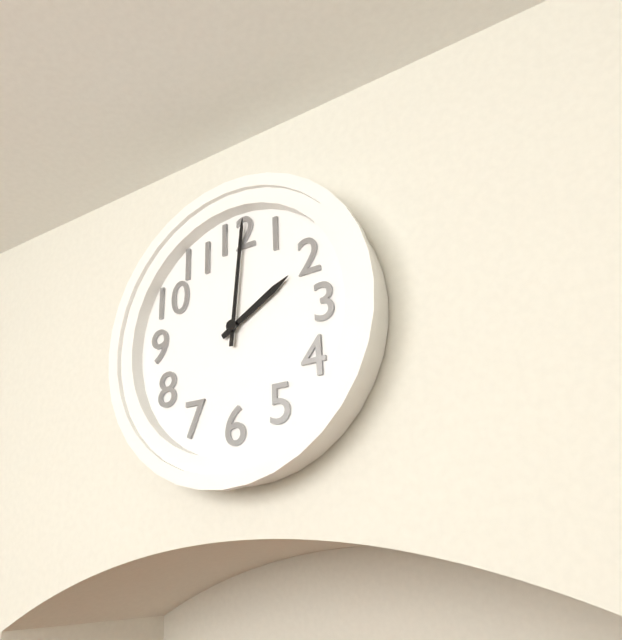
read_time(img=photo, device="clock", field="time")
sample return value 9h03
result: 2h01
